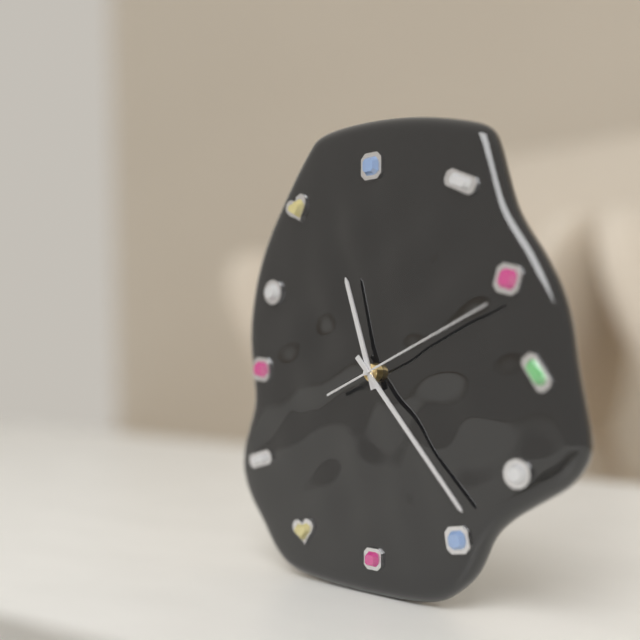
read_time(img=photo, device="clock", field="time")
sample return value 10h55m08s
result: 11h23m11s
